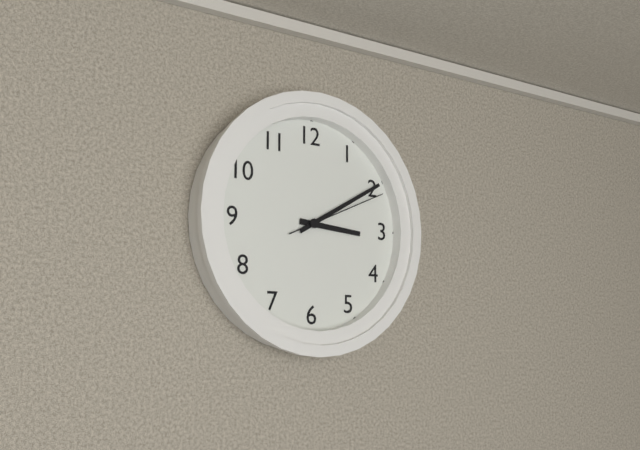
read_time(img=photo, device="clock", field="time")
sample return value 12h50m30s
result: 3h10m11s
